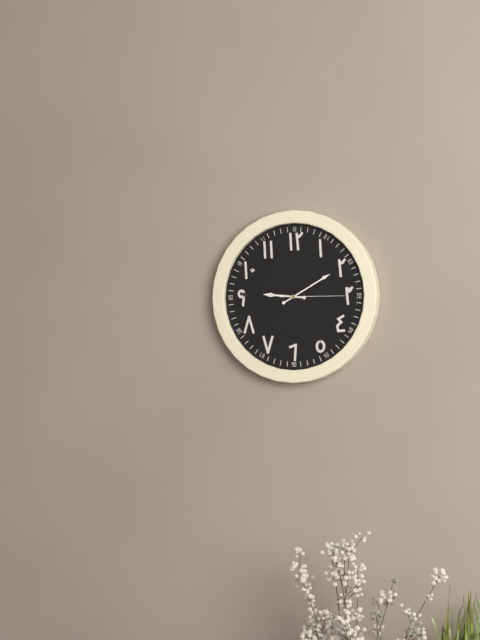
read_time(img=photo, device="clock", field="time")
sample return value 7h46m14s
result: 9h10m15s
